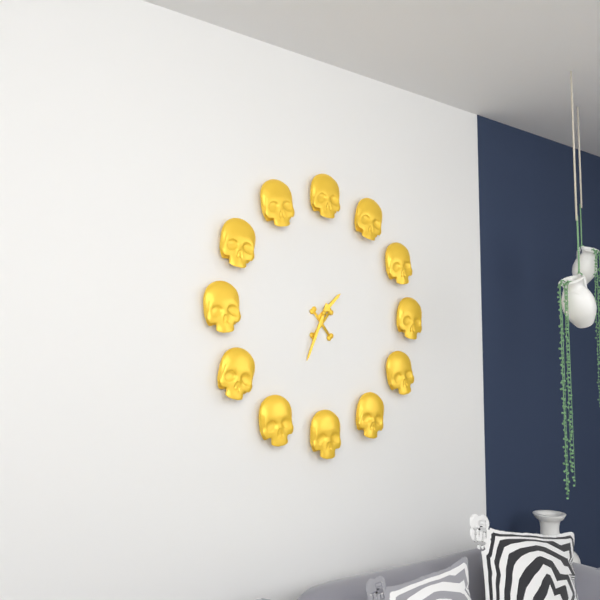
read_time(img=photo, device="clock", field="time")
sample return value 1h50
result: 1h34
